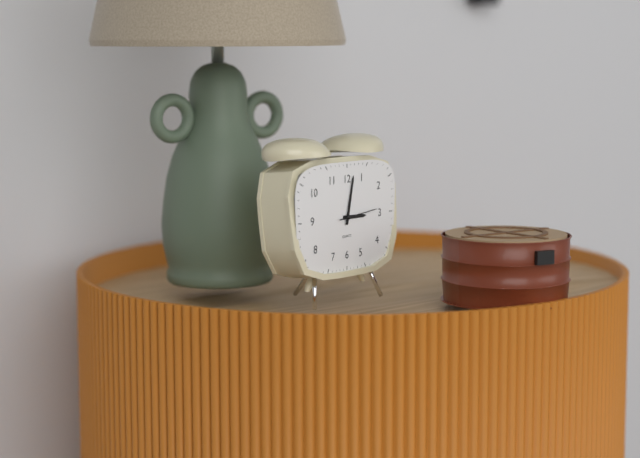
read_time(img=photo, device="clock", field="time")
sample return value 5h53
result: 3h02
